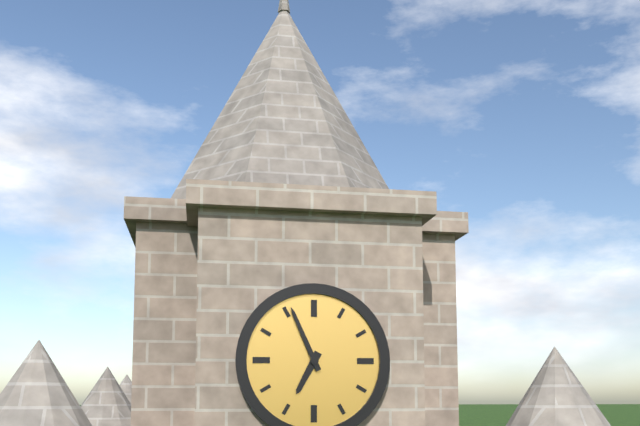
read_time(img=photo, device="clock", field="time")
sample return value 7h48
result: 6h56
